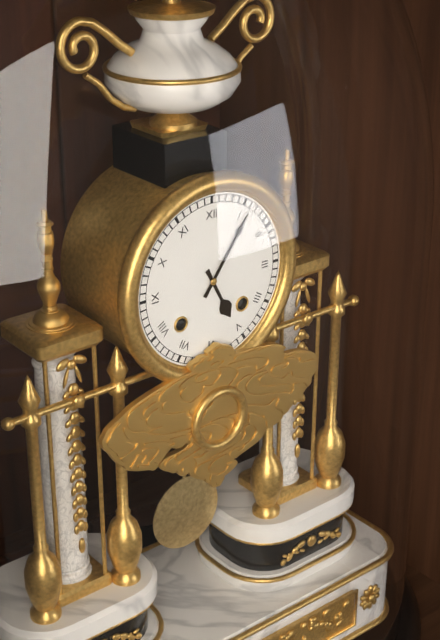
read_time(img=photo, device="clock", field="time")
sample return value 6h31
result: 5h06
